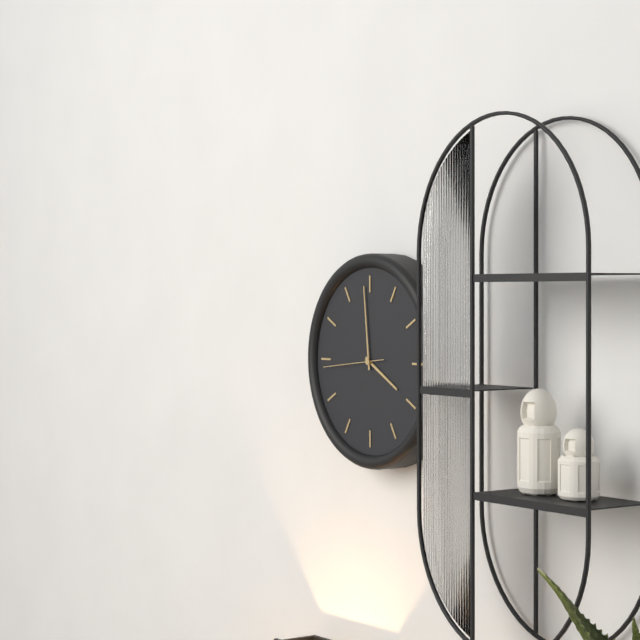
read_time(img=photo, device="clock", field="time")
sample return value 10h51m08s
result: 3h59m44s
